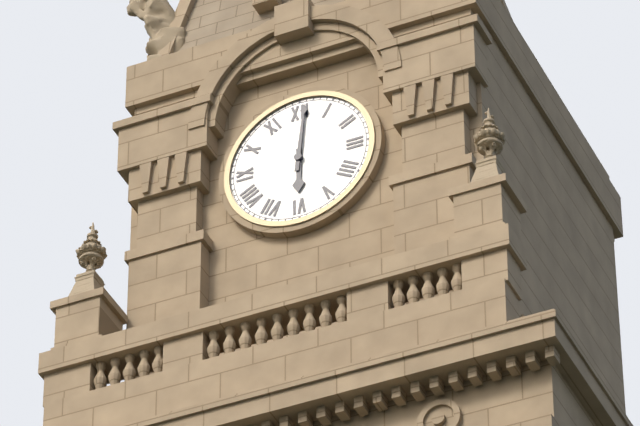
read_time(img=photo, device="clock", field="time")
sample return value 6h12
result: 6h01
